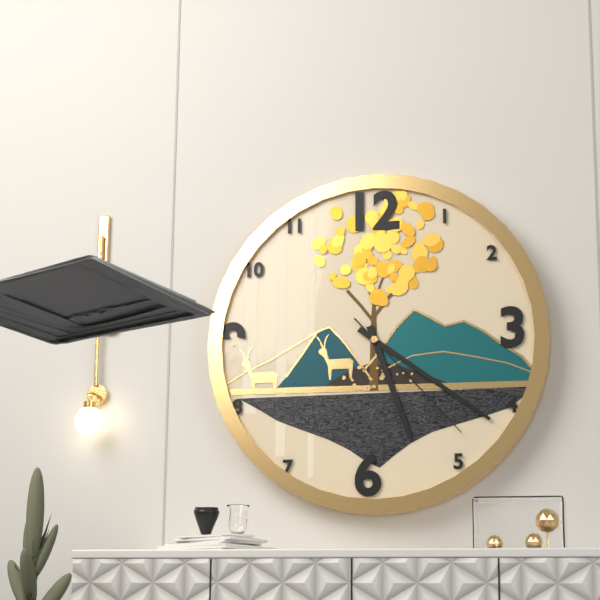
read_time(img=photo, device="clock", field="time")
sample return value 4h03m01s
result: 5h21m23s
